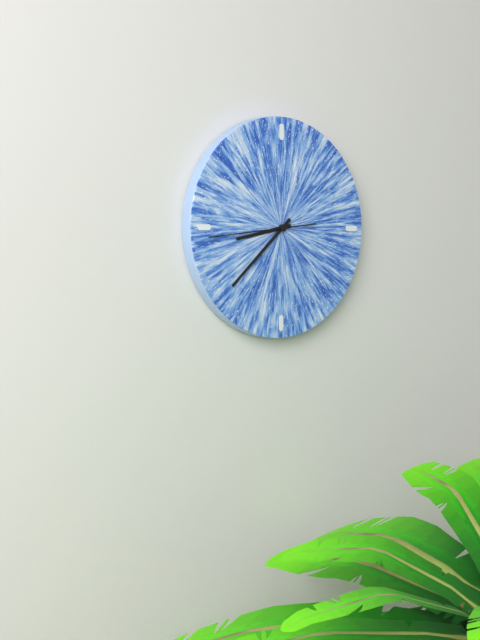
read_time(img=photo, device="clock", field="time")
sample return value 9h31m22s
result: 8h38m44s
